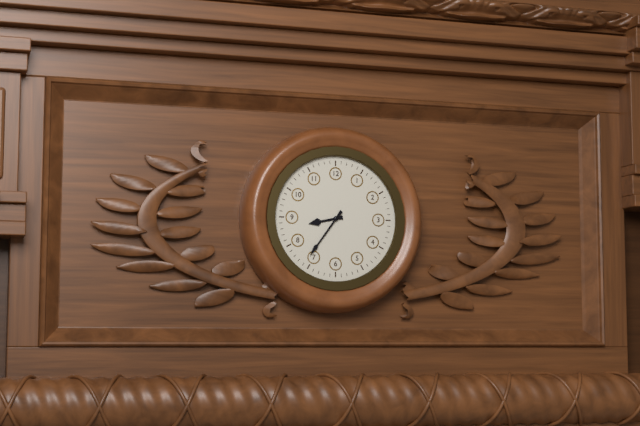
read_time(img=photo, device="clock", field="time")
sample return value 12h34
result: 8h36
